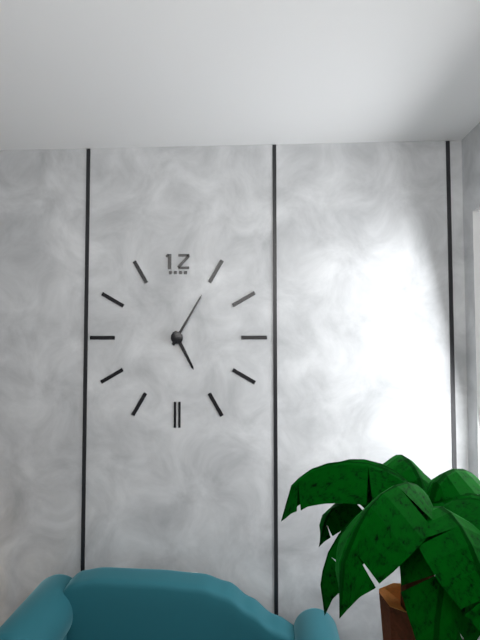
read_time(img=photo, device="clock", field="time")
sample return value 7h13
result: 5h05
